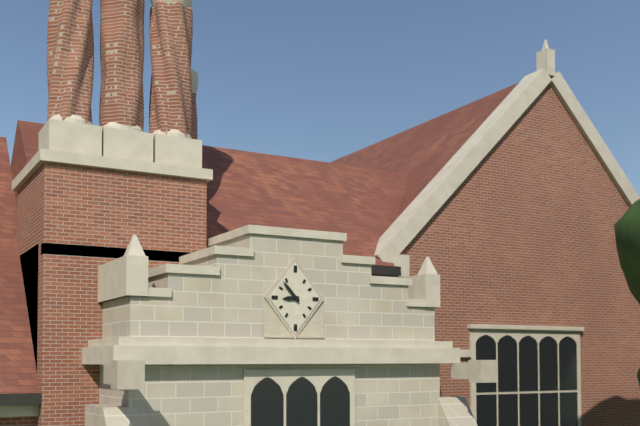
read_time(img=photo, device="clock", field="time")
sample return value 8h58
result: 8h53
